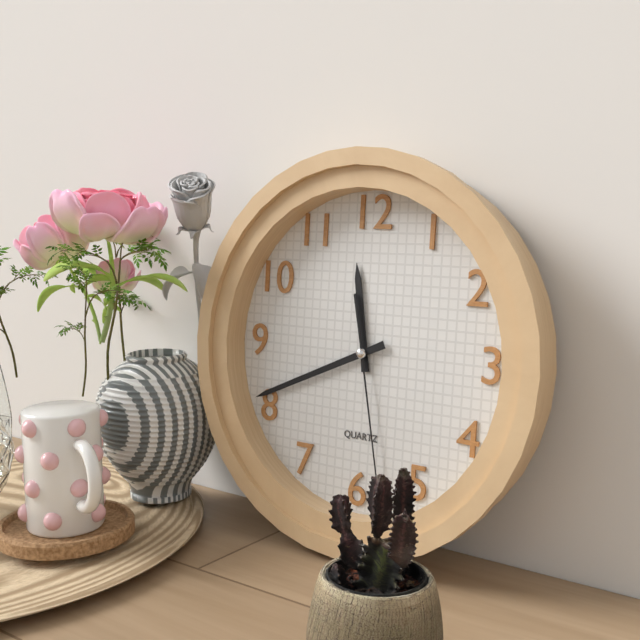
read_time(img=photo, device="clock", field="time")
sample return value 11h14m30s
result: 11h41m28s
